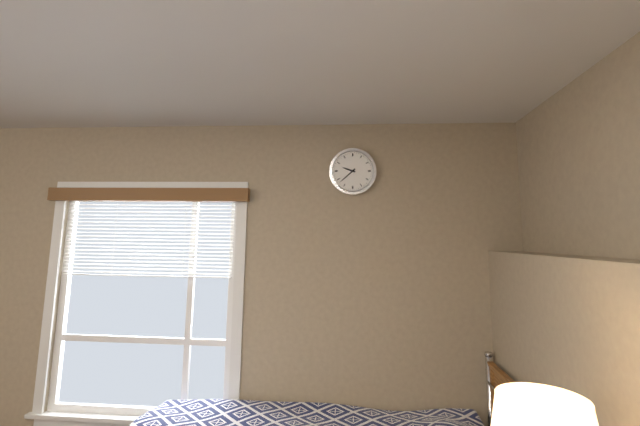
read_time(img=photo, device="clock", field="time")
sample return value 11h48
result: 9h38
